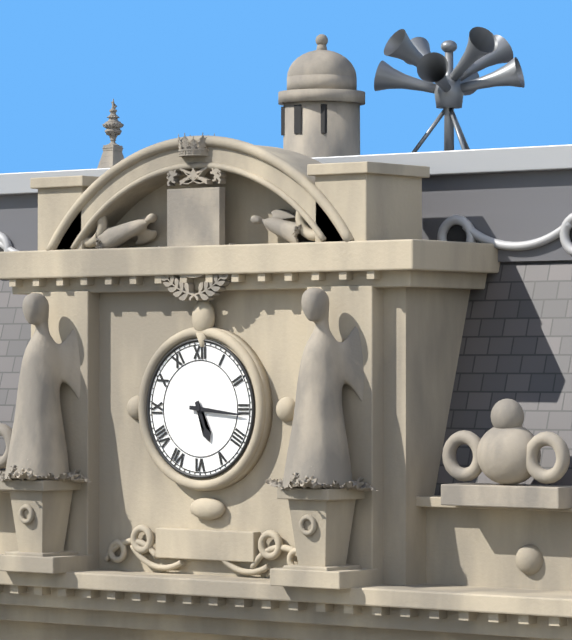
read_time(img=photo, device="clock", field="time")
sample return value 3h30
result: 5h16
